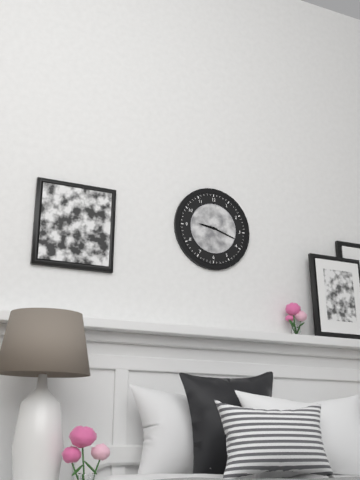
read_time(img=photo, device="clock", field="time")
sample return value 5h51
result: 9h18
